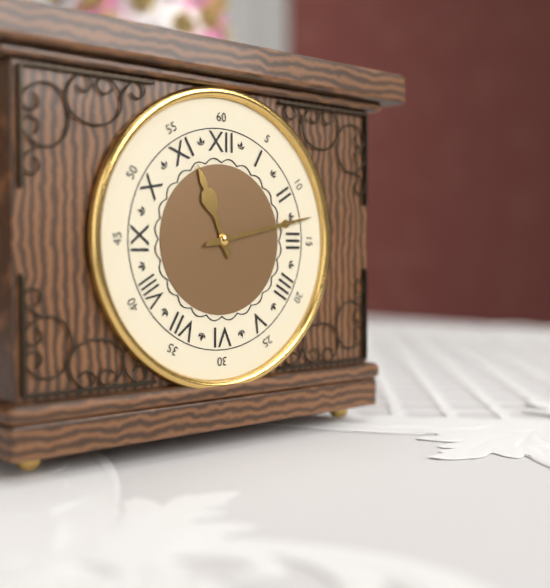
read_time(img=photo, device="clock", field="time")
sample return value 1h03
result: 11h13
